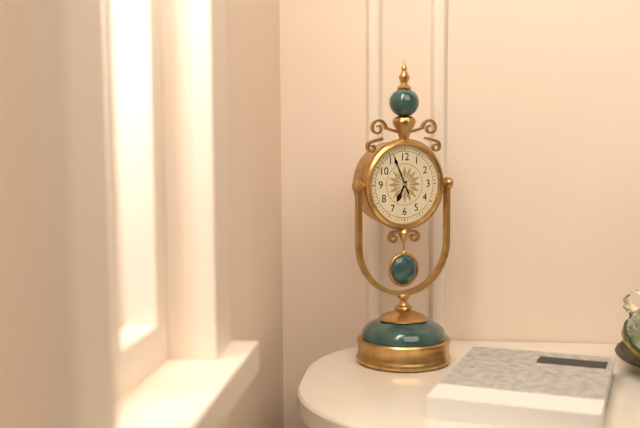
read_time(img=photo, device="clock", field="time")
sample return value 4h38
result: 6h56
